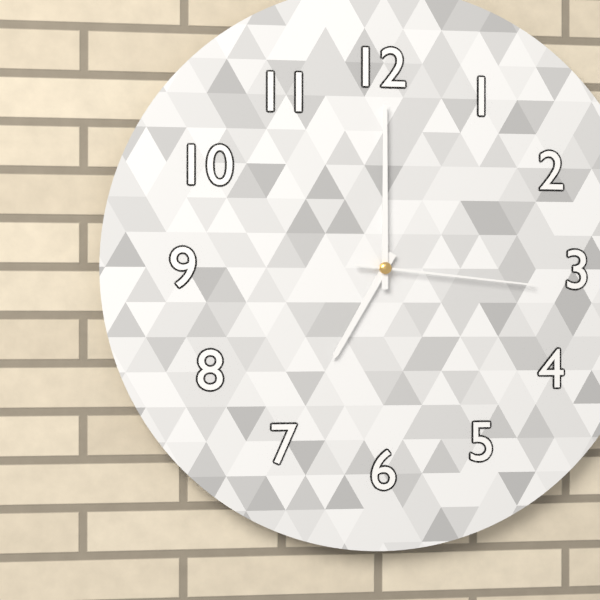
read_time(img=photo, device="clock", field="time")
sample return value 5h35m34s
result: 7h00m16s
